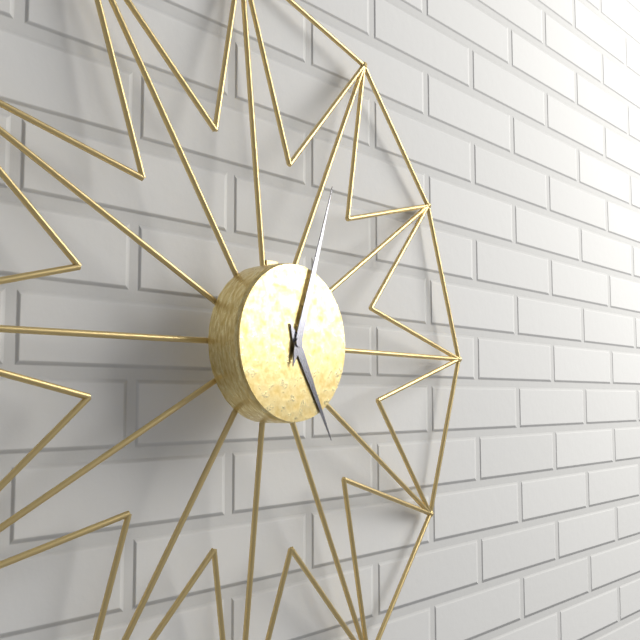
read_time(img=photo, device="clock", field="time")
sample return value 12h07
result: 5h03
